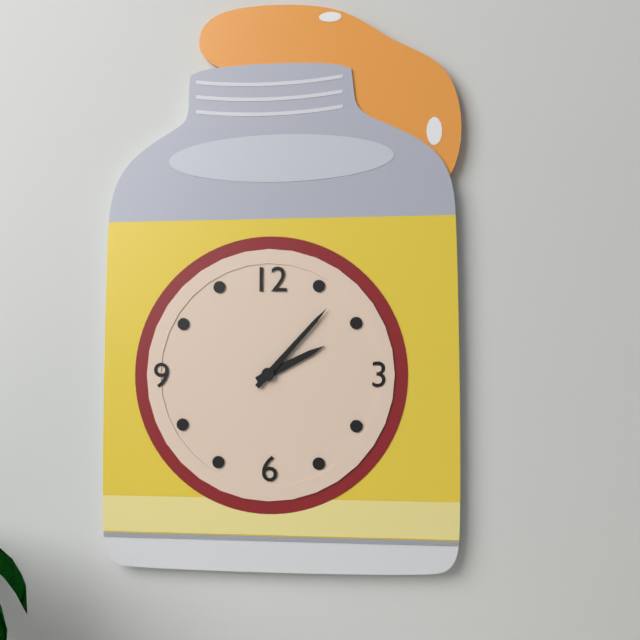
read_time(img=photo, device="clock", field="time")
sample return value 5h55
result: 2h07
